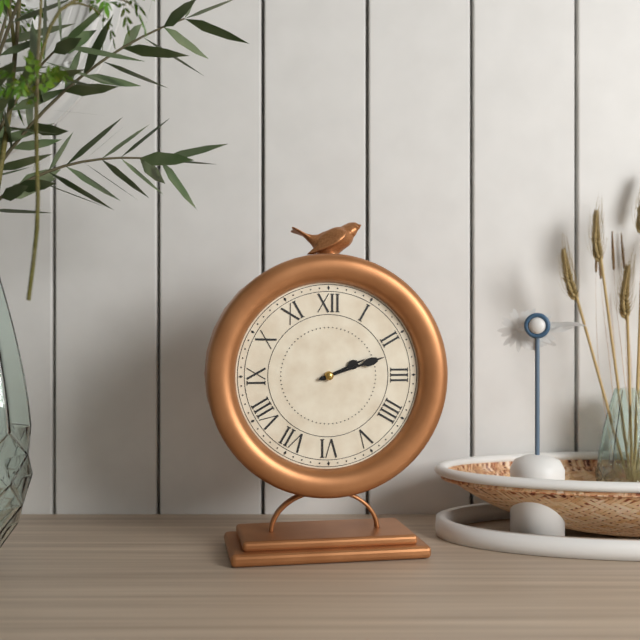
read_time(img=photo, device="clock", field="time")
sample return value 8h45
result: 2h12
